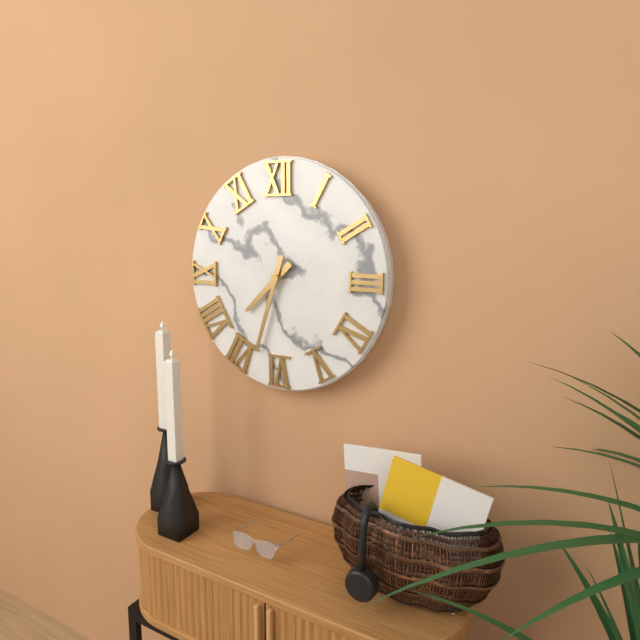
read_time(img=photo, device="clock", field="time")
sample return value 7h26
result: 7h33
